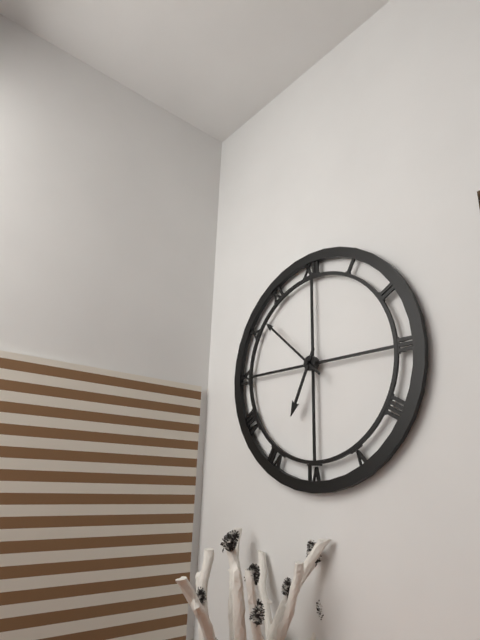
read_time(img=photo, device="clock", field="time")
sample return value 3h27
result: 6h52
